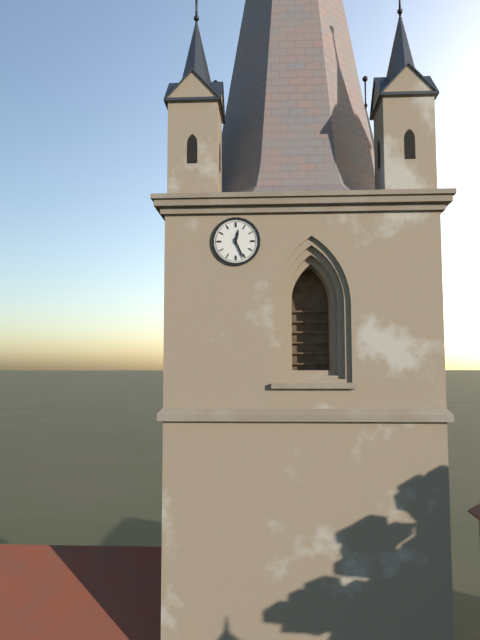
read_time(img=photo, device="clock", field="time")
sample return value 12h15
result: 12h26
